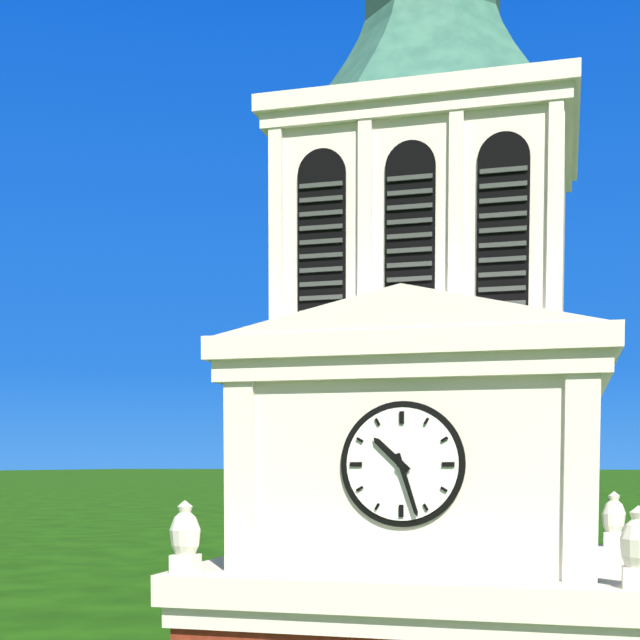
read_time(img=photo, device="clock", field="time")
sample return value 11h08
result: 10h27
